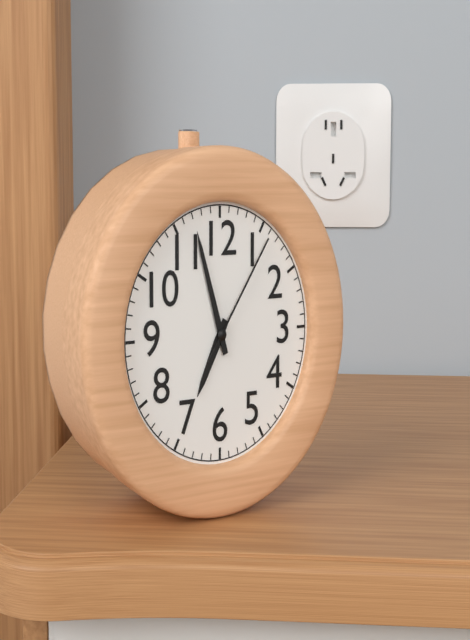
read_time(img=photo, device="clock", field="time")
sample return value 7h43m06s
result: 6h57m06s
